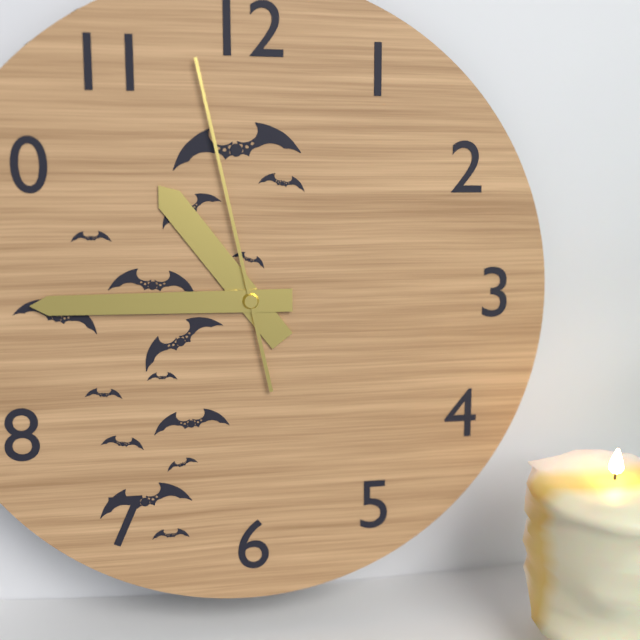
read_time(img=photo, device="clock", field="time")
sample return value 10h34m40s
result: 10h45m58s
